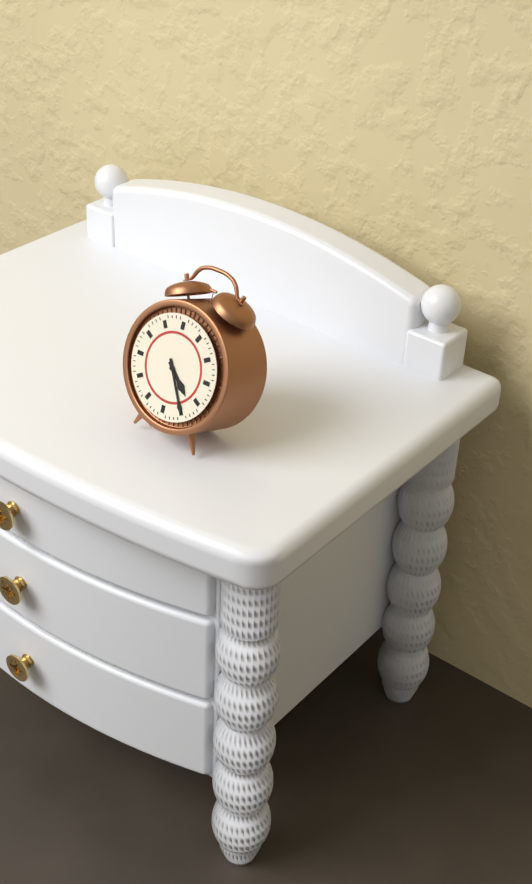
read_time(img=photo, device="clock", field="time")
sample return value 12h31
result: 4h25
